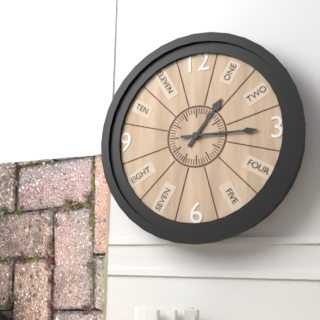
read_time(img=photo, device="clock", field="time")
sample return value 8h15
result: 1h15
